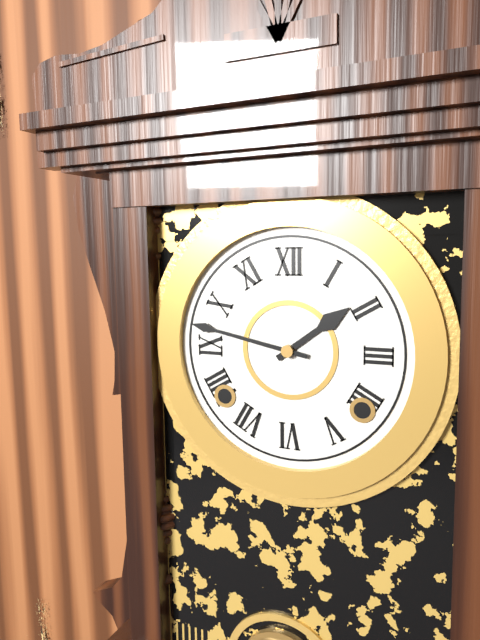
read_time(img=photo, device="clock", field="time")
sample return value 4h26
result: 1h47
